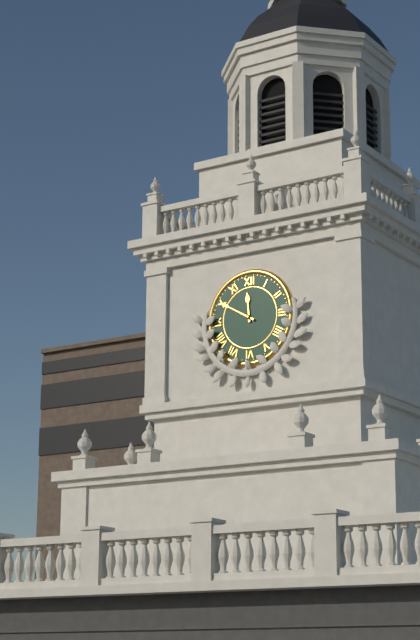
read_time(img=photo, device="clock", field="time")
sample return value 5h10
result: 11h50
